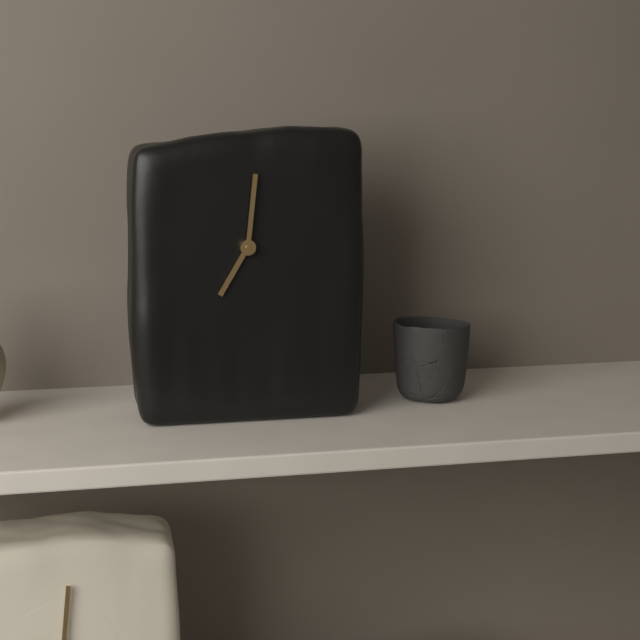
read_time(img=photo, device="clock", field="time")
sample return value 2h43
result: 7h01
